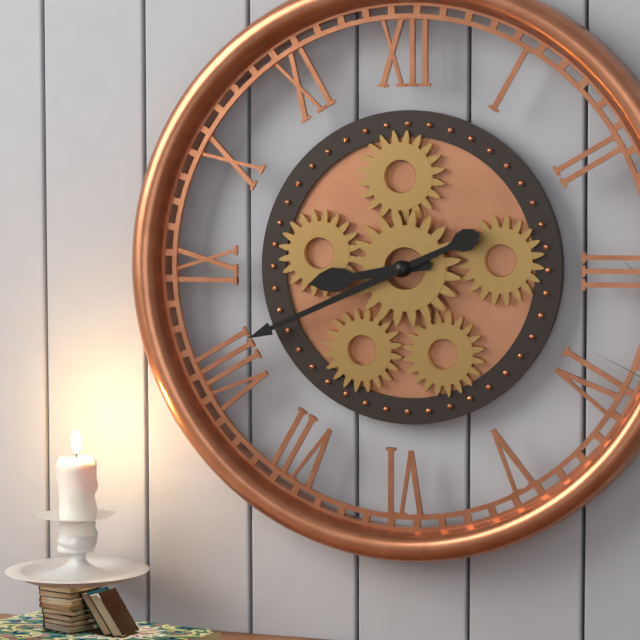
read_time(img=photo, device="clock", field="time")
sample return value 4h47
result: 8h41
